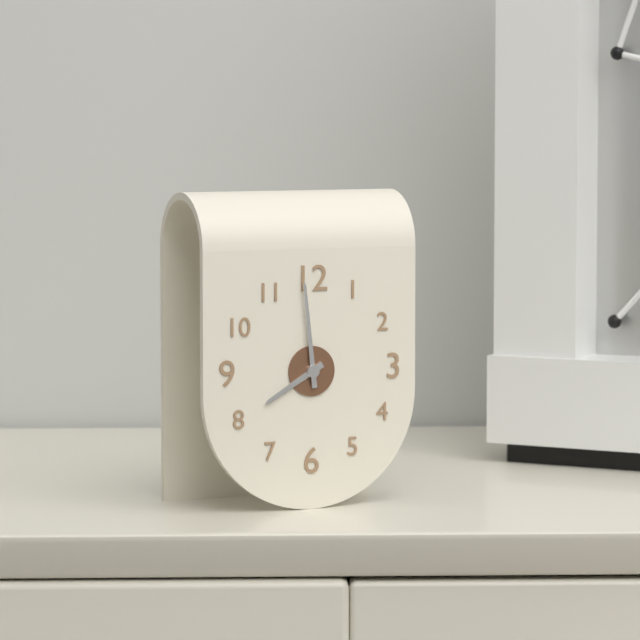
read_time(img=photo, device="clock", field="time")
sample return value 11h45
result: 7h59
